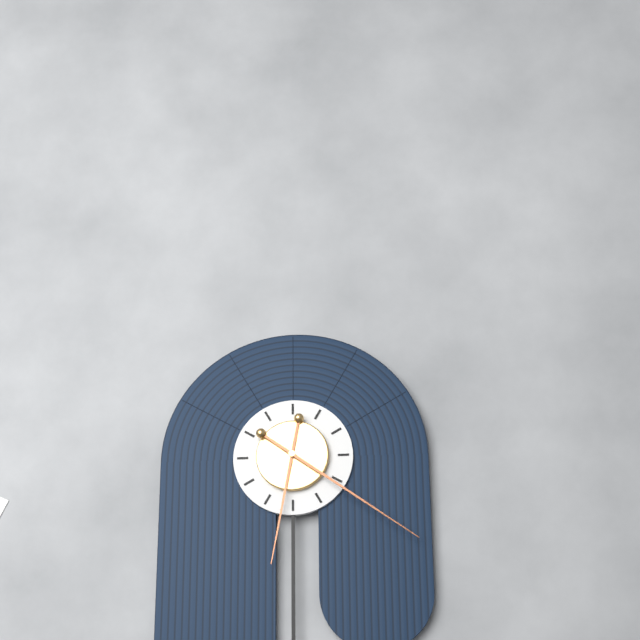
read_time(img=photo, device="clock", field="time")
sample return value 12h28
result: 6h21
